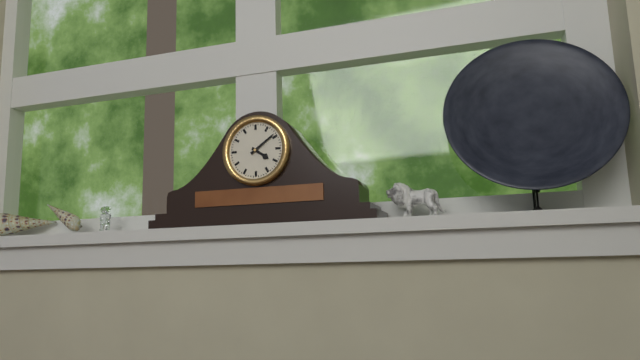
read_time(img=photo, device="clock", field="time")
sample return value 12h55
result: 4h09
